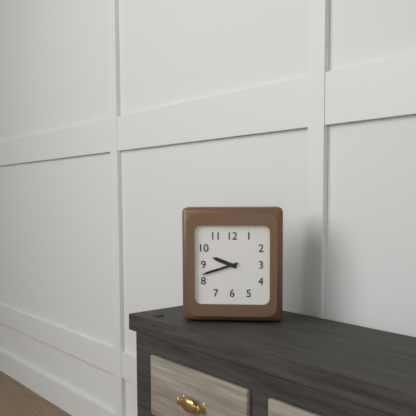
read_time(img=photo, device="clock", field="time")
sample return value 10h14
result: 9h42
